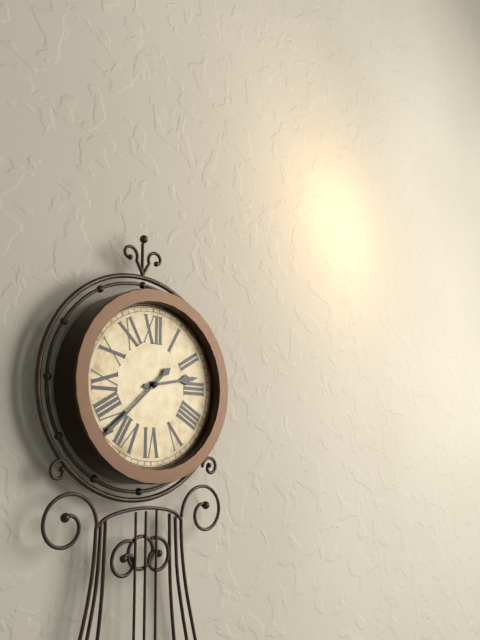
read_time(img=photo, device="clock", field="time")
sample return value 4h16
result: 2h38
